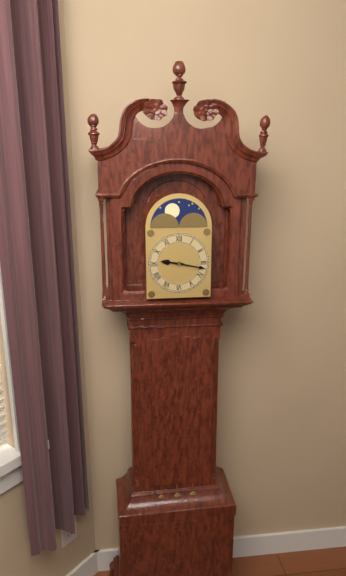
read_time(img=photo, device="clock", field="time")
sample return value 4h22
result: 9h17
